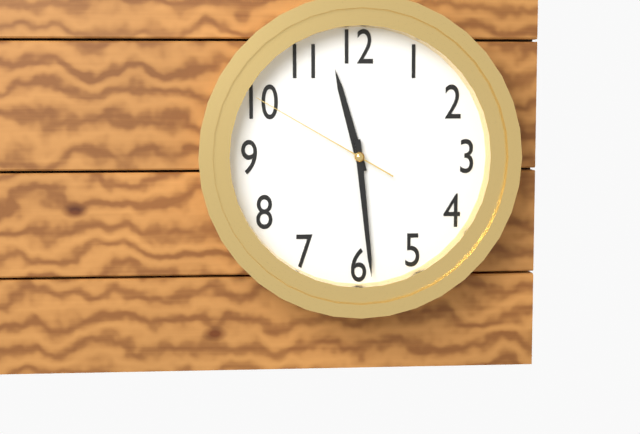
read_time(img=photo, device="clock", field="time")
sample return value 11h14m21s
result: 11h29m50s
